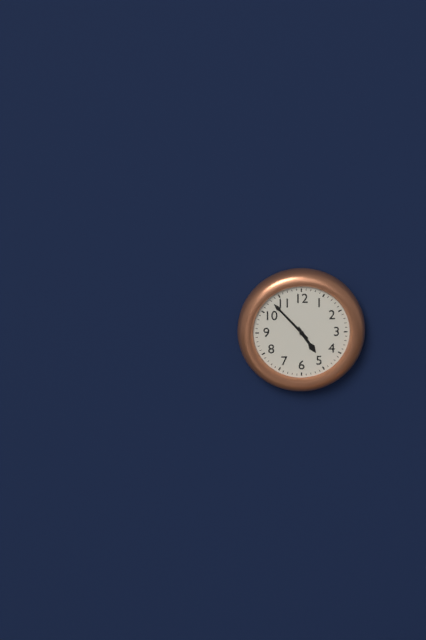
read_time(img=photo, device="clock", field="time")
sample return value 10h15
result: 4h53
